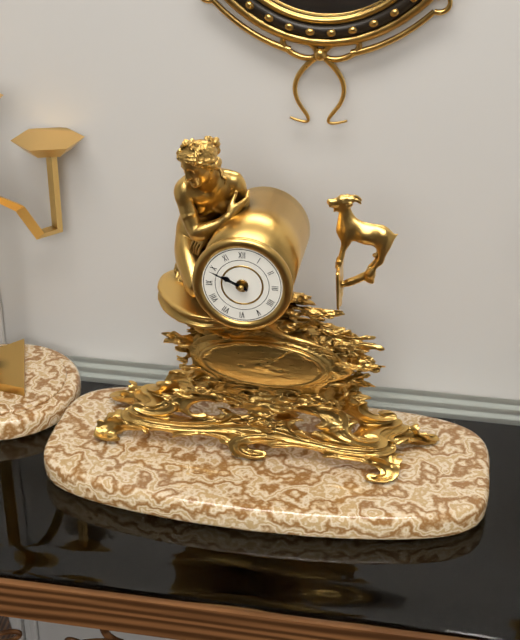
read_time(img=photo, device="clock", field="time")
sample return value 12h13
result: 9h49
